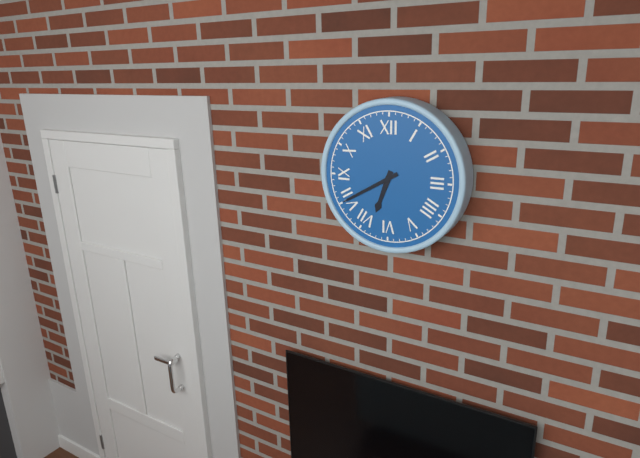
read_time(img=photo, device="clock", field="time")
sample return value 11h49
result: 6h40
